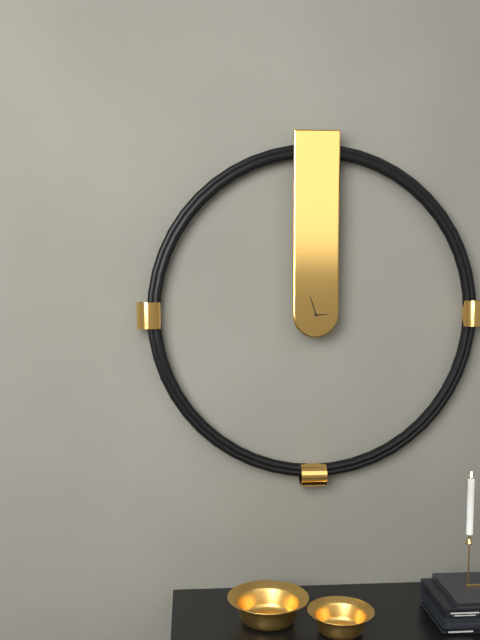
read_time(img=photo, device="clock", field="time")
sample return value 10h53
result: 2h57
